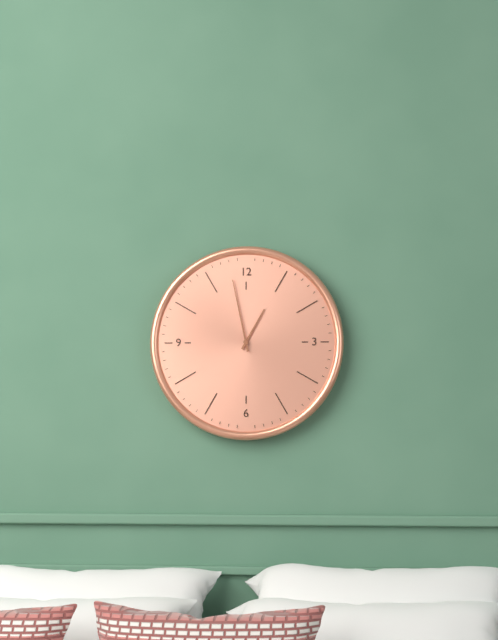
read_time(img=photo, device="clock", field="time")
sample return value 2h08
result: 12h58
